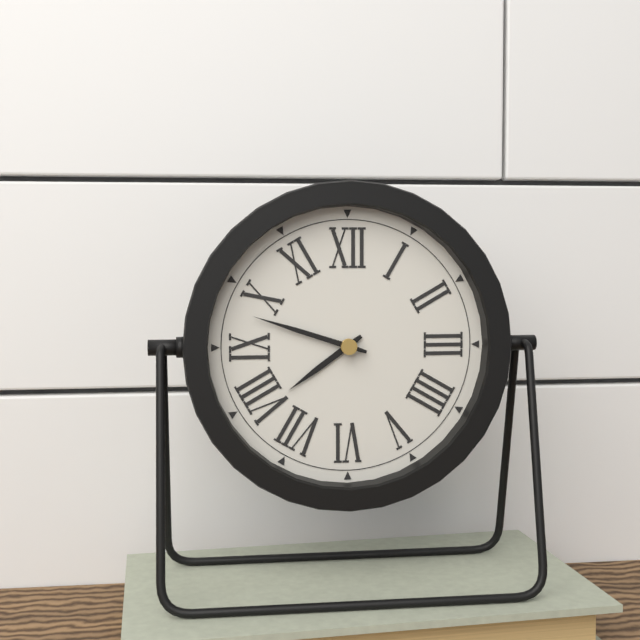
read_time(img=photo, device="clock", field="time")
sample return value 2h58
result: 7h48
